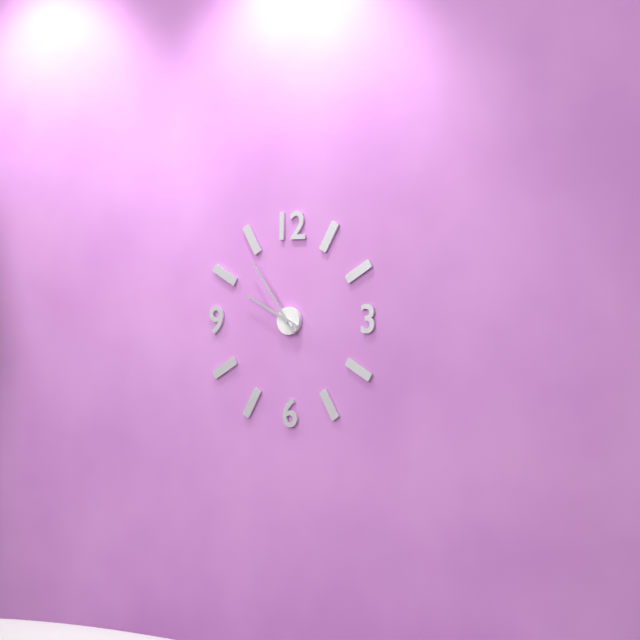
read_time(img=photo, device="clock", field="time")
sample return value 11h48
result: 9h54
